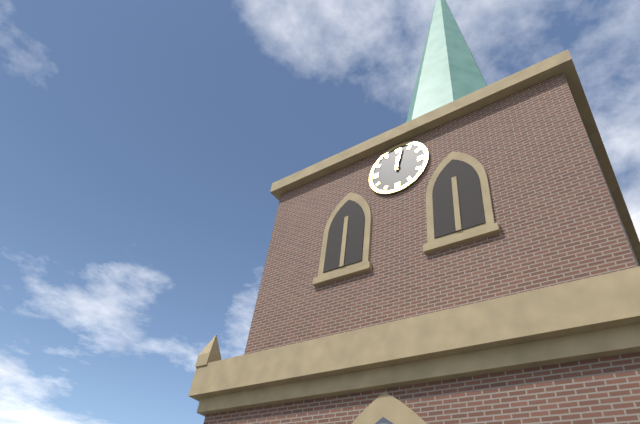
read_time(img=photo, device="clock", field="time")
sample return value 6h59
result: 12h02
